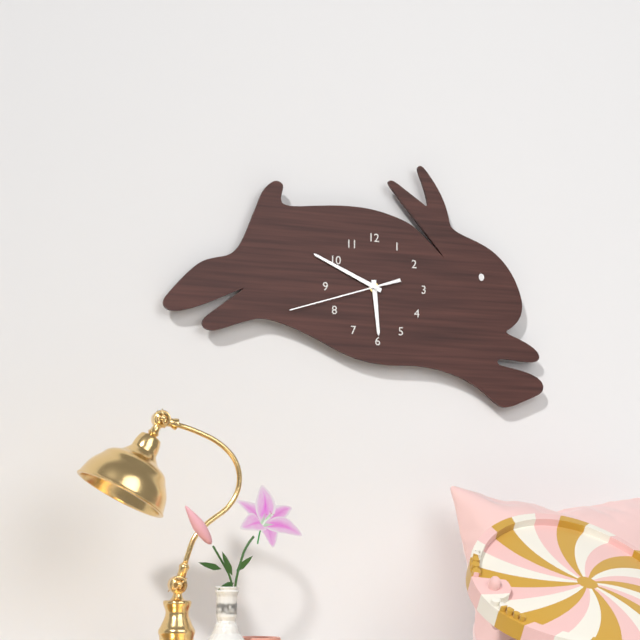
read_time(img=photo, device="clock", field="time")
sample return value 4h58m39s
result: 5h49m42s
